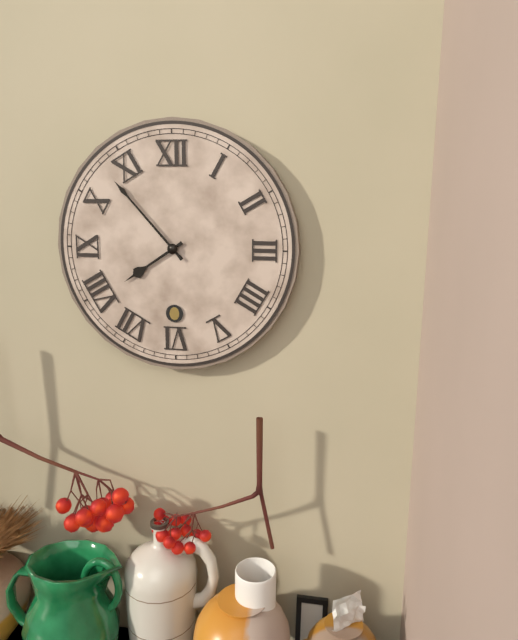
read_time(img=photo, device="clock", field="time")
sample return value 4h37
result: 7h53
